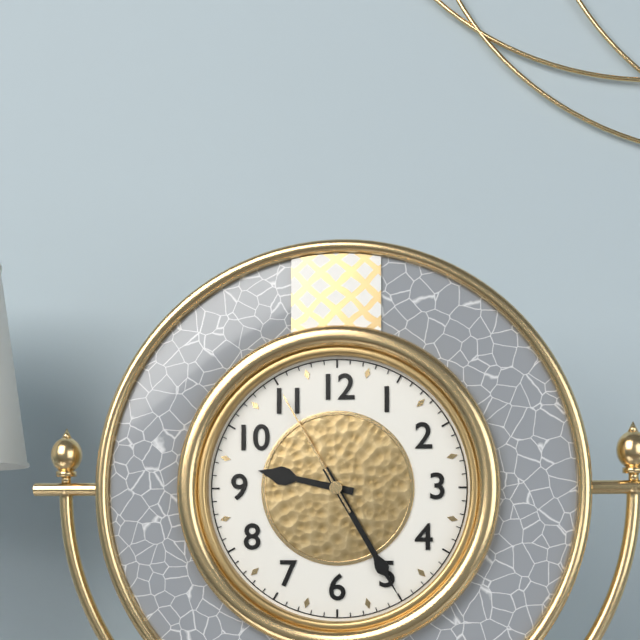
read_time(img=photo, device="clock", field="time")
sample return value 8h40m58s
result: 9h25m55s
